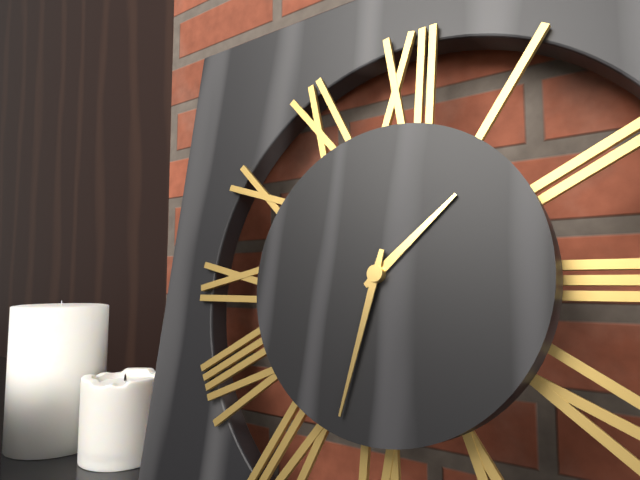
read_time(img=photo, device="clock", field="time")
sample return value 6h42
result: 1h32
